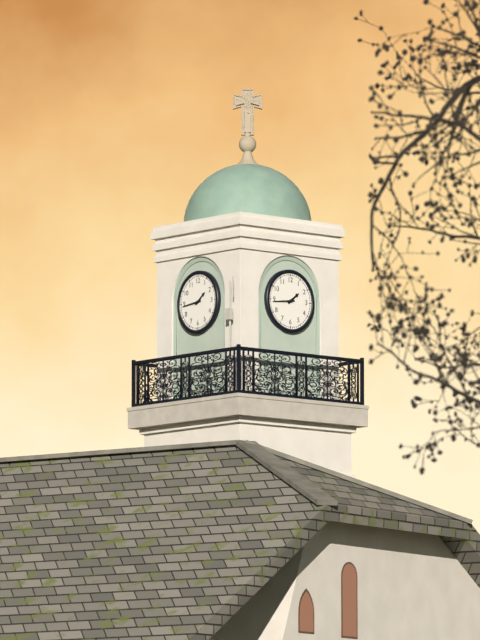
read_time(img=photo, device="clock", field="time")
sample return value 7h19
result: 1h44
